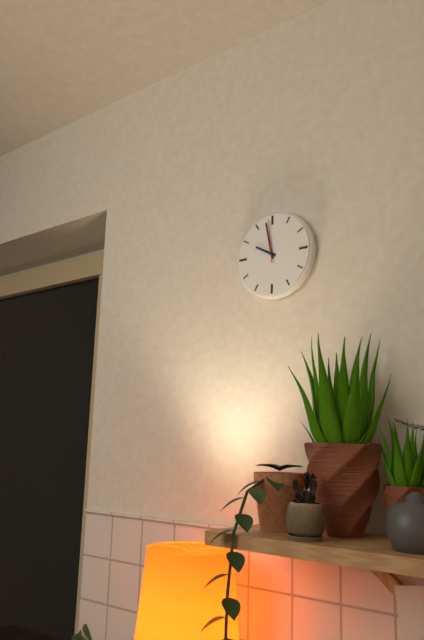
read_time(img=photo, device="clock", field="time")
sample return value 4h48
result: 9h58
